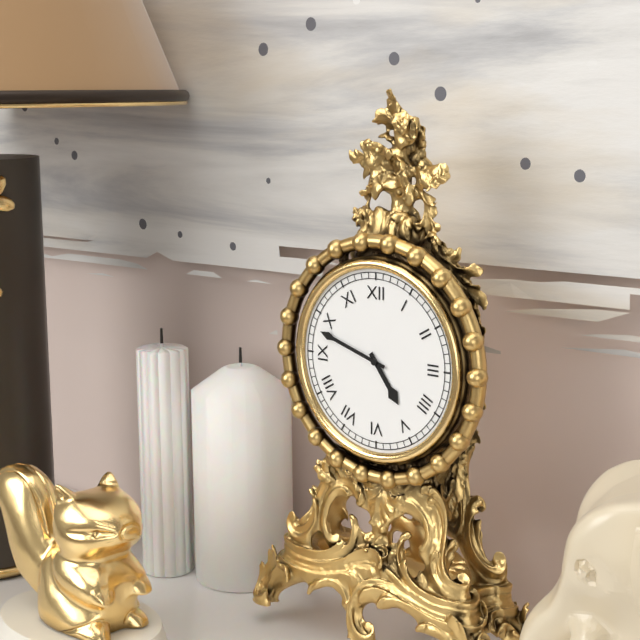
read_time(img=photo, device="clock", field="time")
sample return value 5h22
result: 4h48
